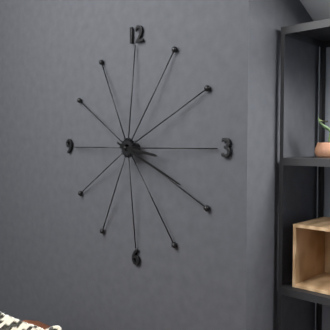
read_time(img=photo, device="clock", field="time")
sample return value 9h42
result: 3h19
